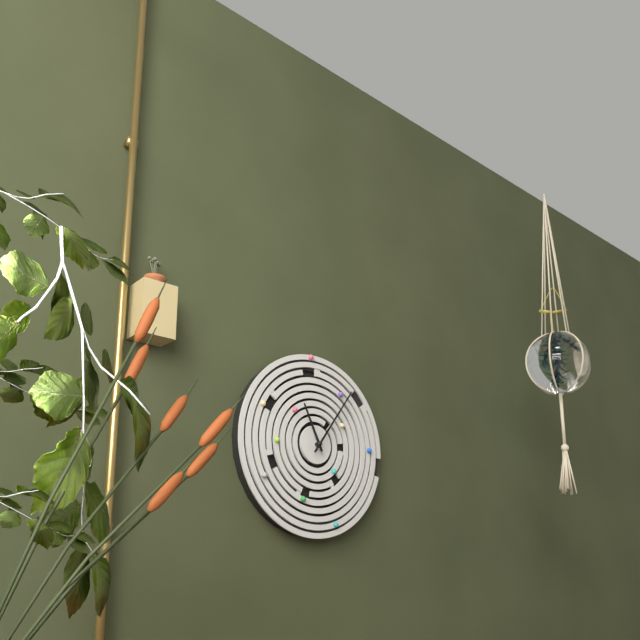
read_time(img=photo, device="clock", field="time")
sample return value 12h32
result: 11h06
